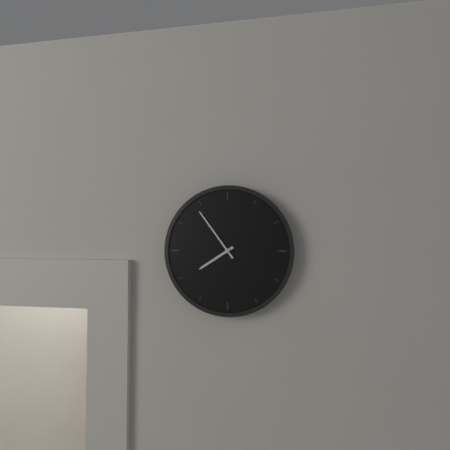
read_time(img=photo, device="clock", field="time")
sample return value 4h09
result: 7h54
